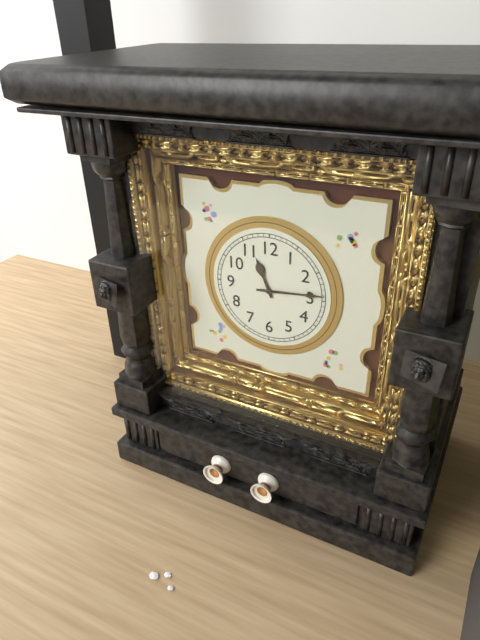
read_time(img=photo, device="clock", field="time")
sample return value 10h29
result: 11h14
